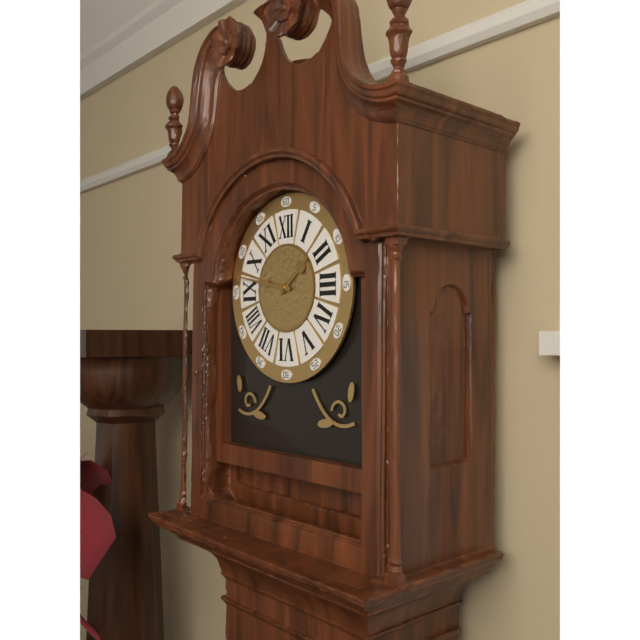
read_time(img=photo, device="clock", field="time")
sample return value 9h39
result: 1h47
